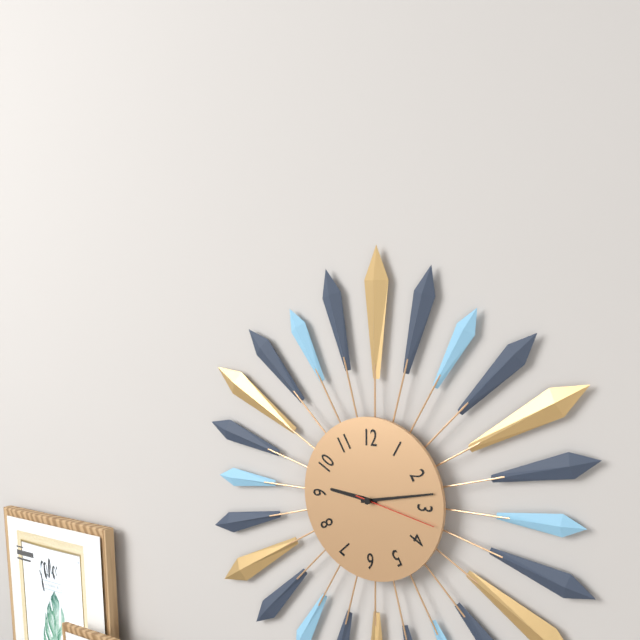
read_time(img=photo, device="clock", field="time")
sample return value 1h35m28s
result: 9h13m17s
